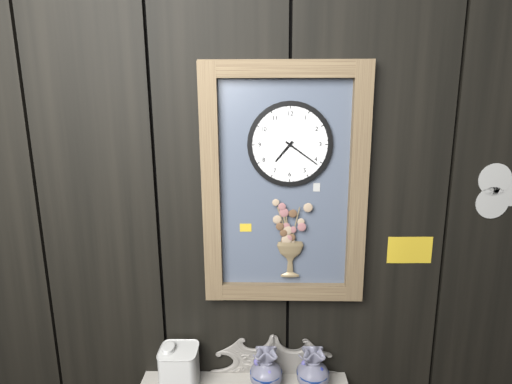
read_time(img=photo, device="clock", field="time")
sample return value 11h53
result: 7h21
